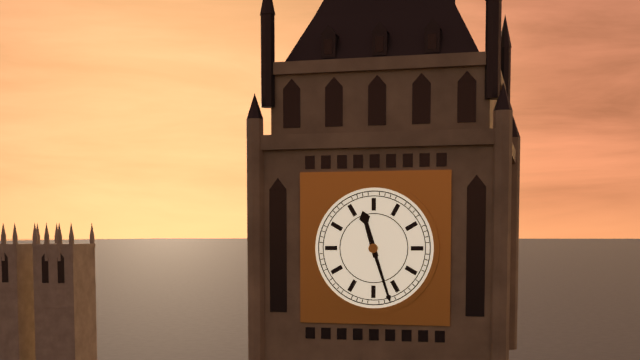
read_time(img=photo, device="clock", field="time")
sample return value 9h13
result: 11h27
